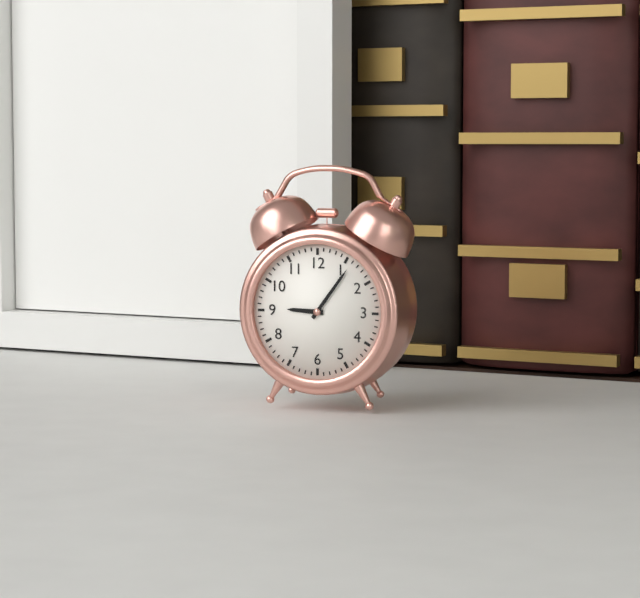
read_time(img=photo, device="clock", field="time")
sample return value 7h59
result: 9h06
